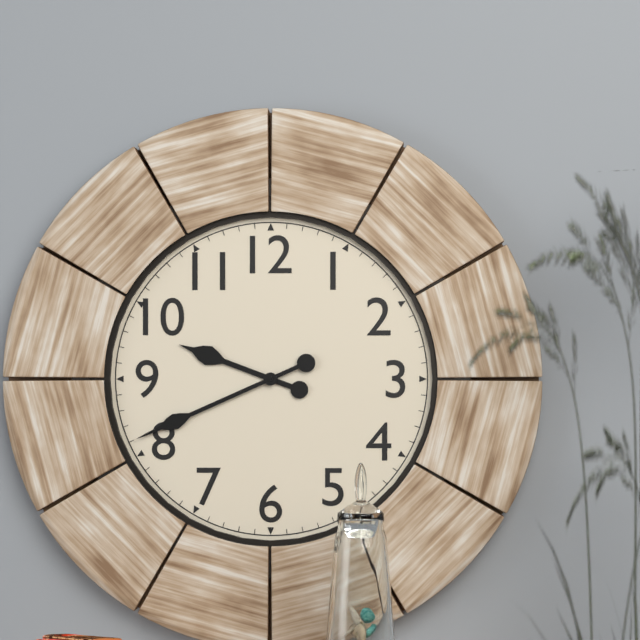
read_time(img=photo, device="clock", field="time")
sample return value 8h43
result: 9h41
